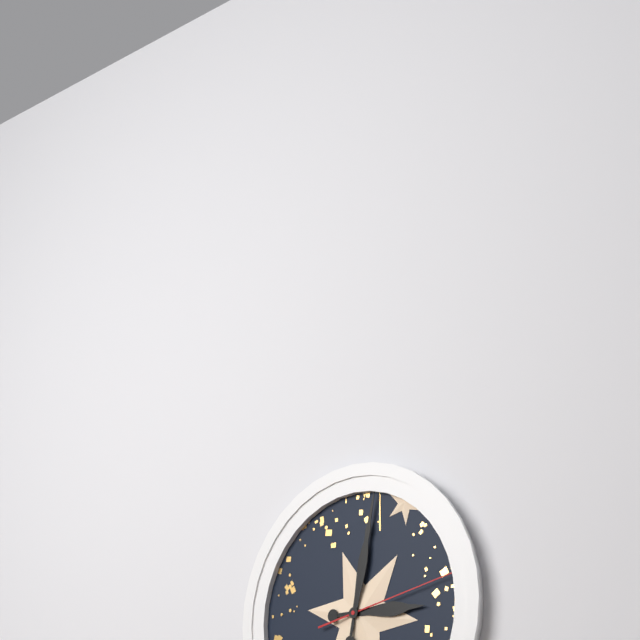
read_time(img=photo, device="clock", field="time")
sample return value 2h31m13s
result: 3h02m13s
